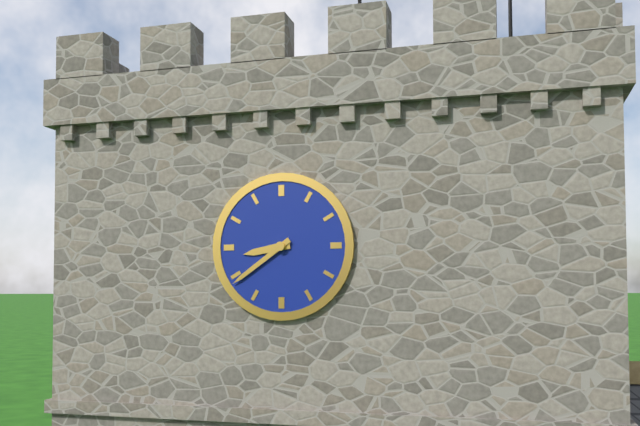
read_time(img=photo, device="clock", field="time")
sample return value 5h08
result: 8h39
